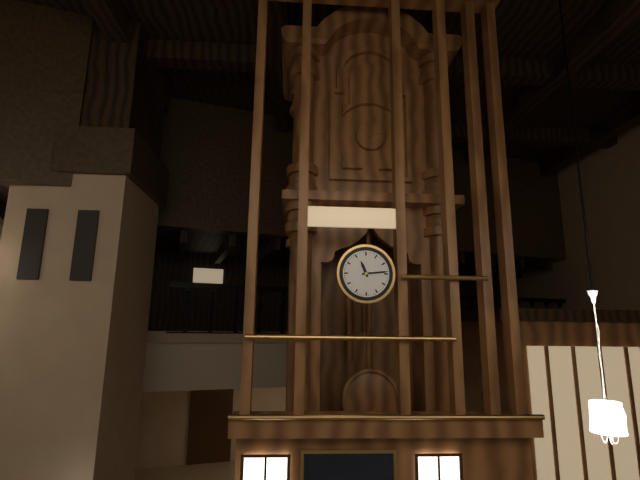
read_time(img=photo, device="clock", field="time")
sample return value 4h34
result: 11h14
